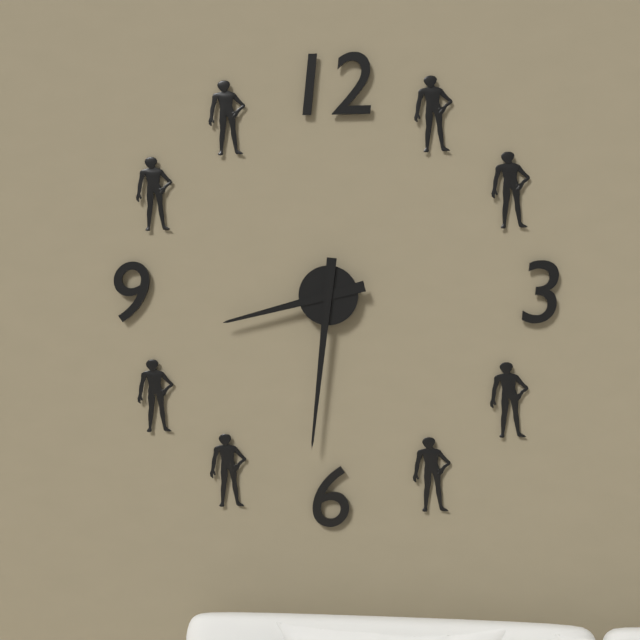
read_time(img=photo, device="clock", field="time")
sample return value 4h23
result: 8h31
